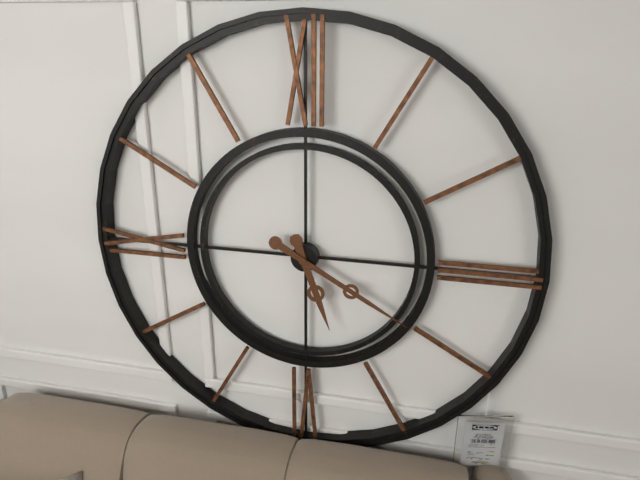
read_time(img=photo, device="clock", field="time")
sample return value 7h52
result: 5h20
